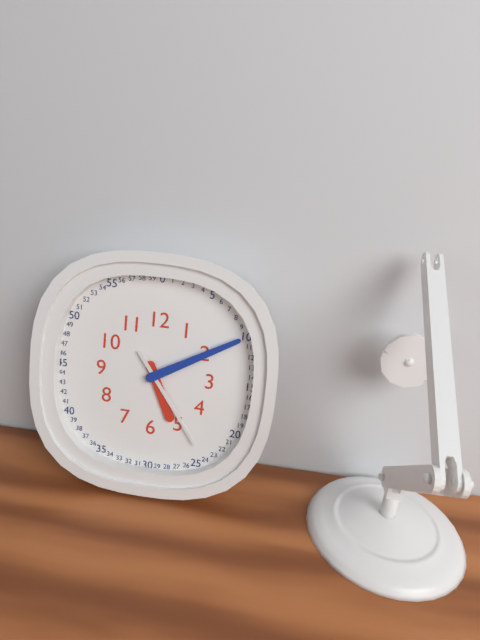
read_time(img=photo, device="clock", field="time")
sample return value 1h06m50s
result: 5h10m24s
